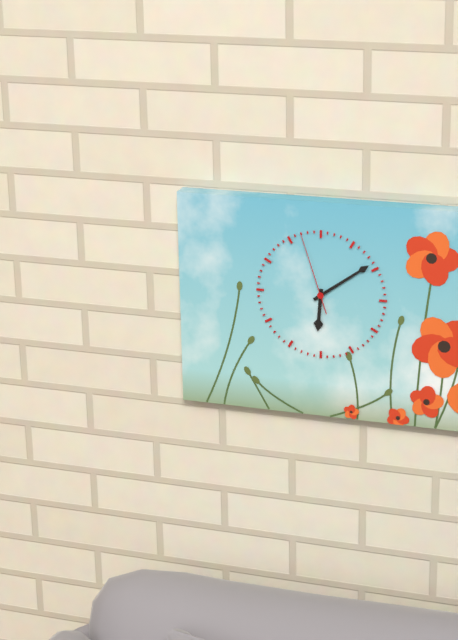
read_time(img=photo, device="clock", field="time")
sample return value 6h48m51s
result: 6h09m57s
